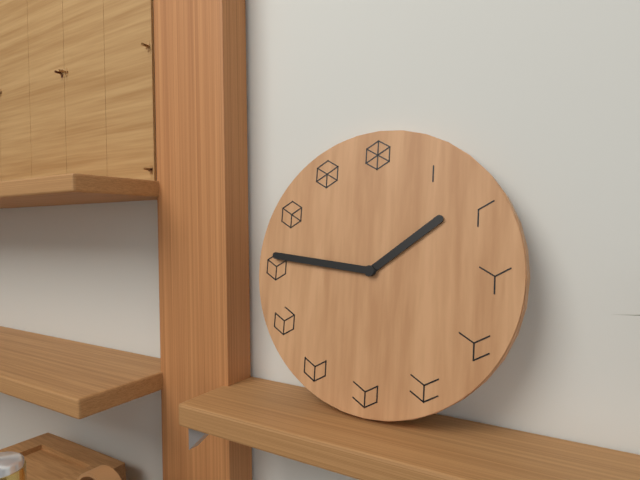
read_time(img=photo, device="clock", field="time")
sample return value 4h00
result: 1h46
